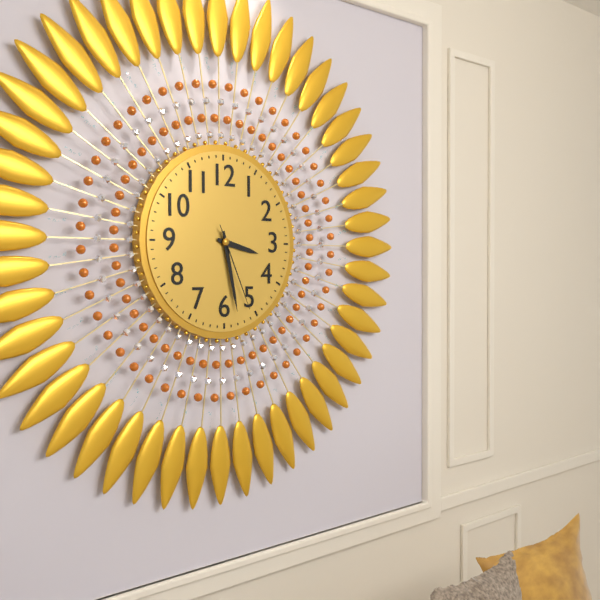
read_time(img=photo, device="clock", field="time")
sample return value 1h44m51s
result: 3h28m26s
